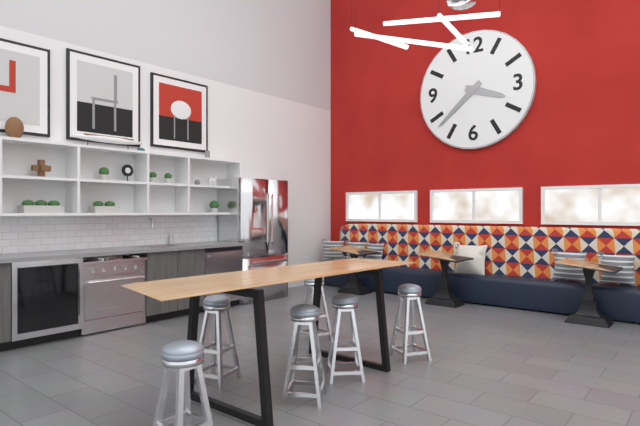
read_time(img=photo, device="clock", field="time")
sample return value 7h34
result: 3h38
